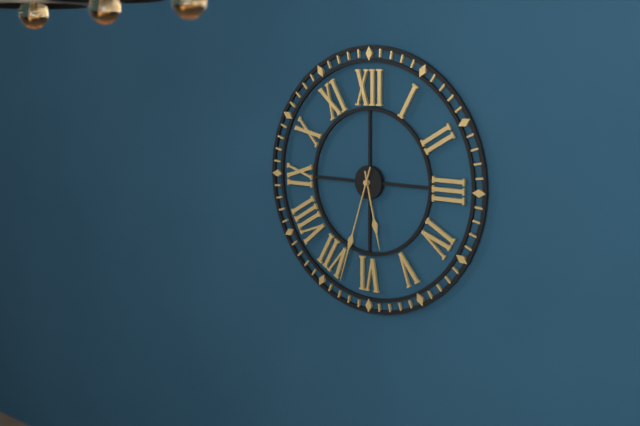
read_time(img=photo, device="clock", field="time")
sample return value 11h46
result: 5h33
